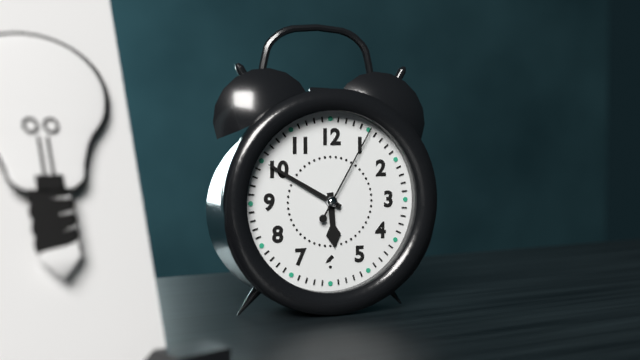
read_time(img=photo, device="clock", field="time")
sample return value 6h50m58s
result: 5h50m05s
